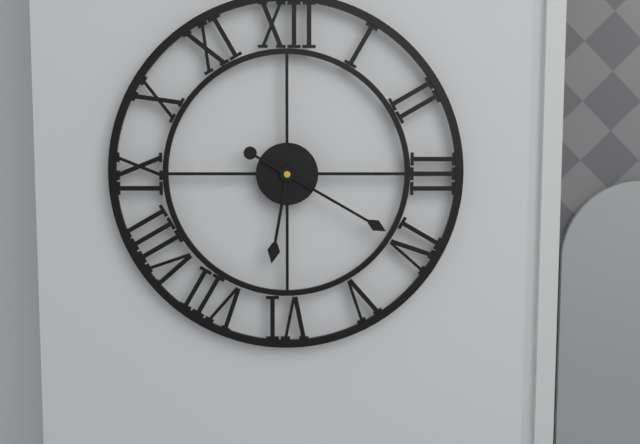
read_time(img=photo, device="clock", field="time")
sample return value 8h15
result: 6h20
